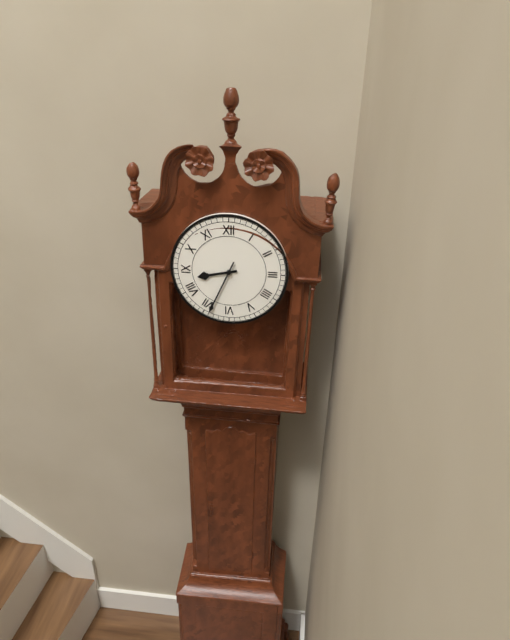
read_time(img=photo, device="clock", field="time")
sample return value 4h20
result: 8h34
